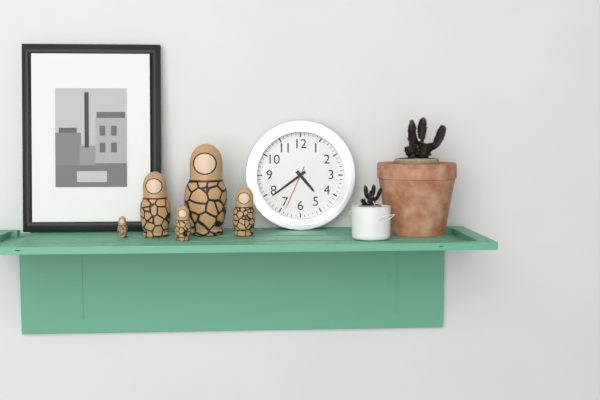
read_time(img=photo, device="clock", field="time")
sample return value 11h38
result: 4h39
